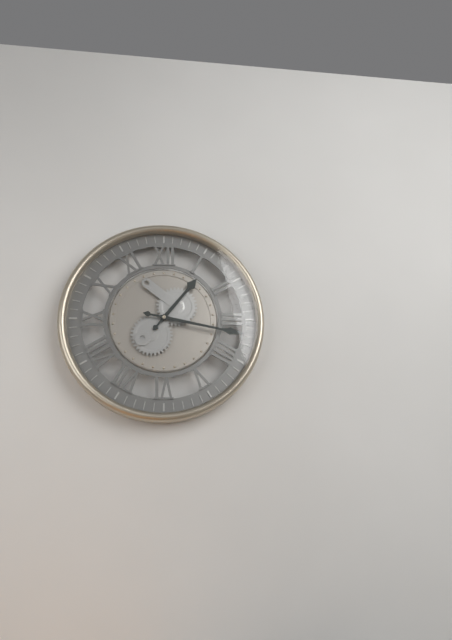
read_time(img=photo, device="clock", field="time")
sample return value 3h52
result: 1h17
